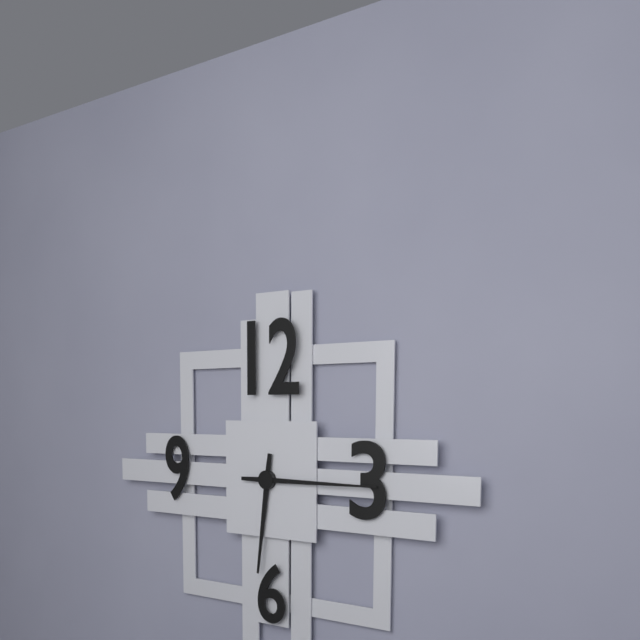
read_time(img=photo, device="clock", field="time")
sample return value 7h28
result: 6h15
